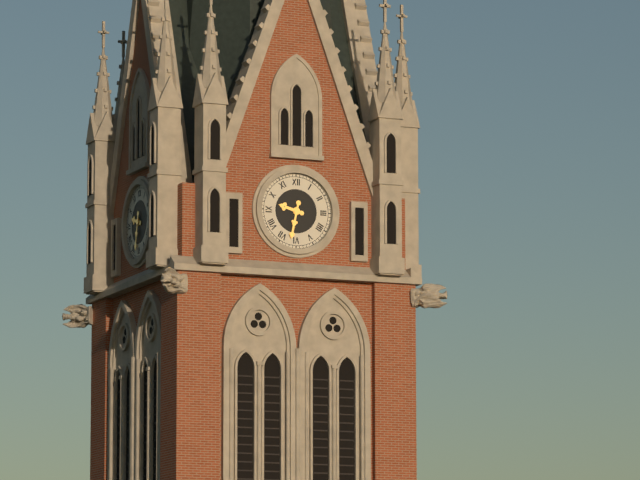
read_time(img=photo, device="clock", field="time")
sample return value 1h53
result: 9h32
